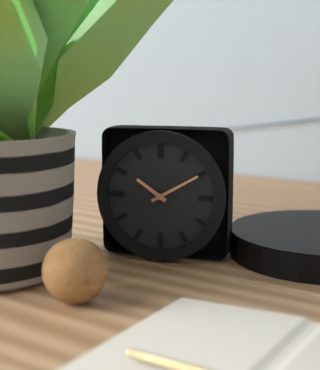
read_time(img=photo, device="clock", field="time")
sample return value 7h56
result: 10h10
